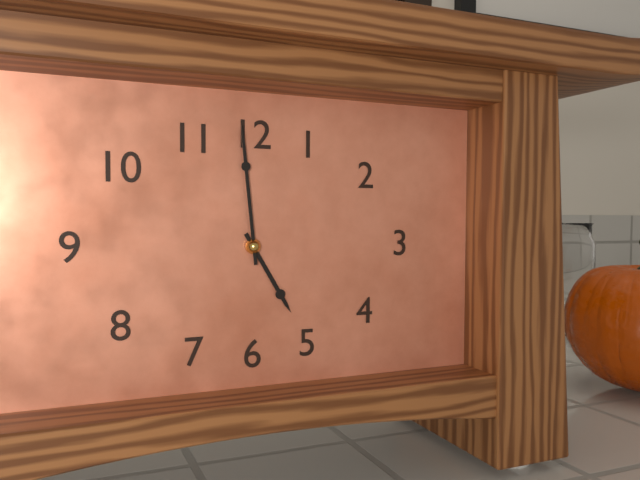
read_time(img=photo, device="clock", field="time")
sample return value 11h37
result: 4h59
